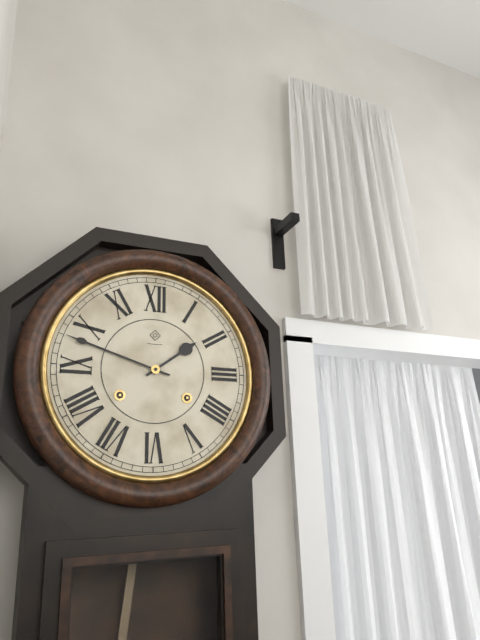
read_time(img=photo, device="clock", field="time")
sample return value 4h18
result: 1h48
